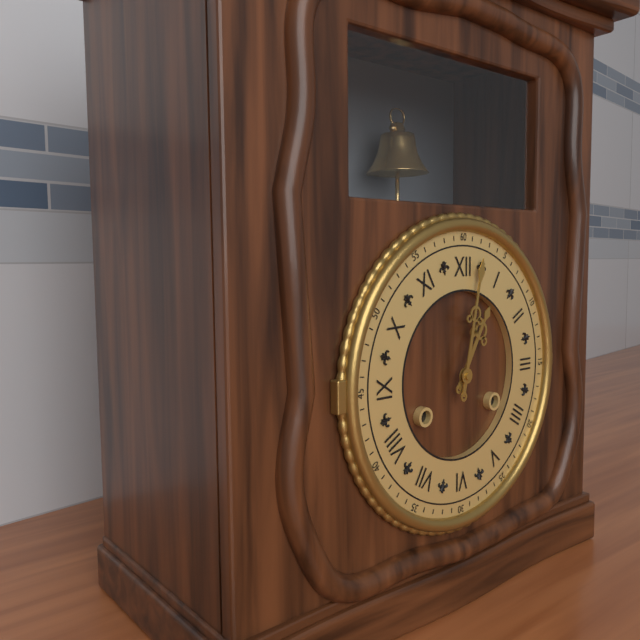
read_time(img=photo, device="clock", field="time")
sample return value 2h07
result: 1h02
